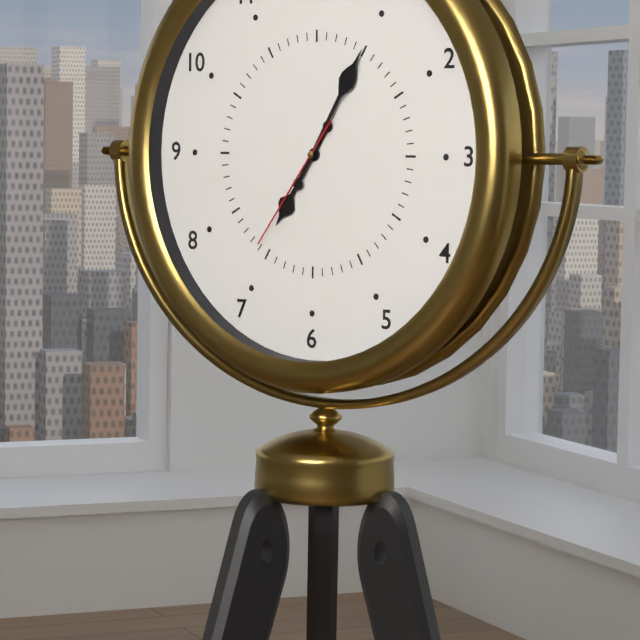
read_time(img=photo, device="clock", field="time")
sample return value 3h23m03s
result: 7h05m36s
